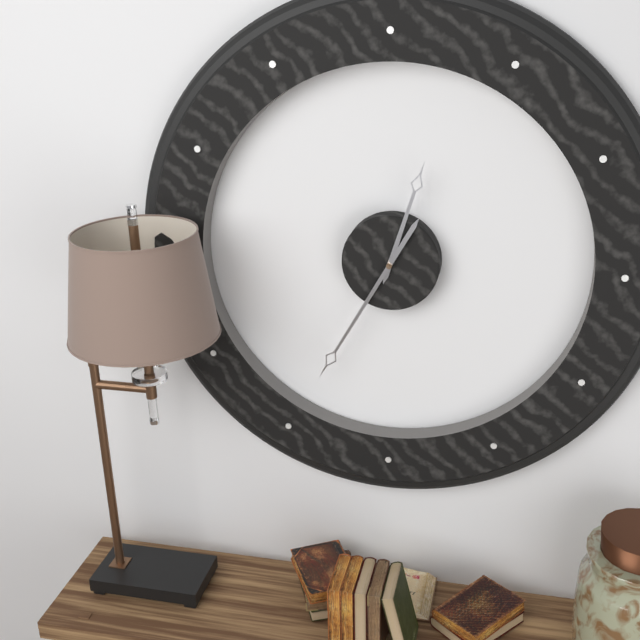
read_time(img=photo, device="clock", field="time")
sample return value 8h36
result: 12h35
